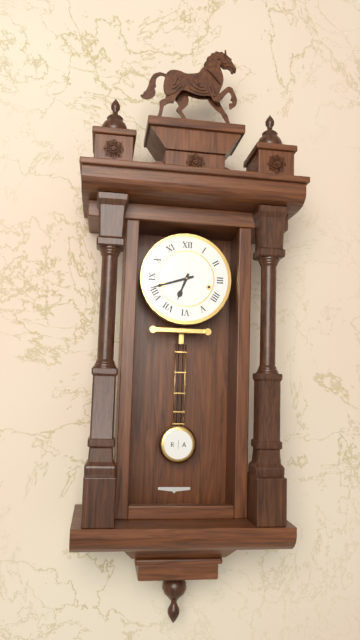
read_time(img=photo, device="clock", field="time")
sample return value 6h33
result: 6h42
